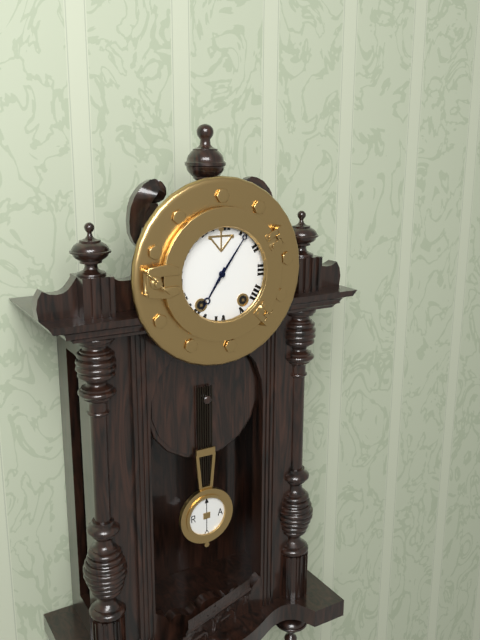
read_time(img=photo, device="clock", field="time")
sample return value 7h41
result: 7h06
